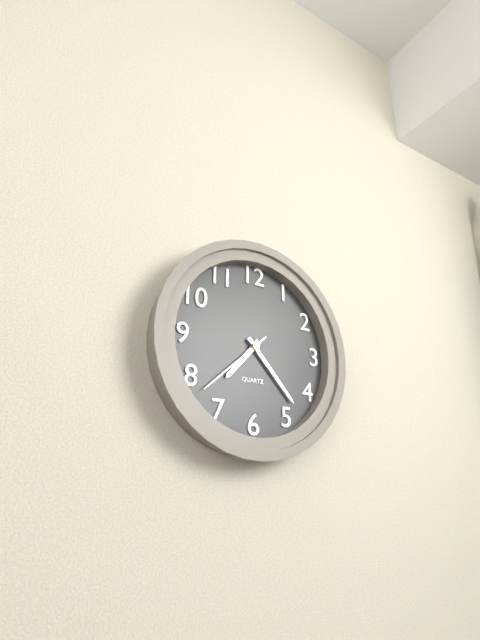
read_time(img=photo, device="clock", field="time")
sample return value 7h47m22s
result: 7h23m38s
